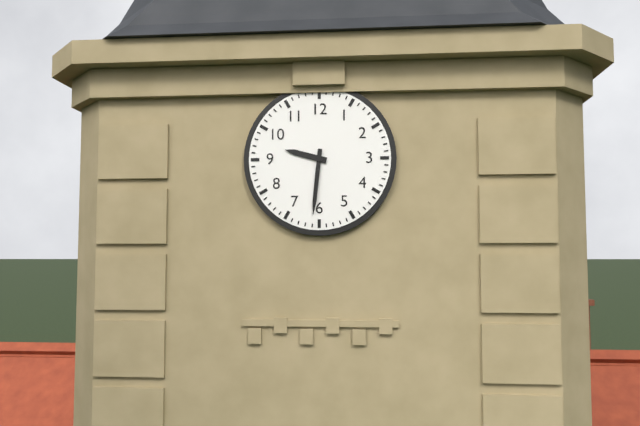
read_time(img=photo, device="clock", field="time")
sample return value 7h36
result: 9h31
